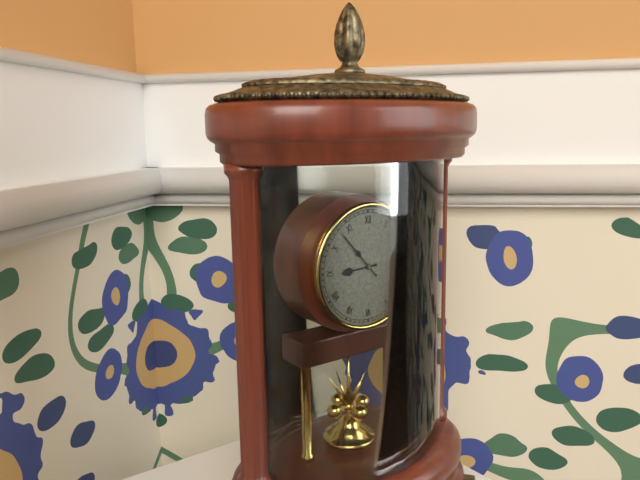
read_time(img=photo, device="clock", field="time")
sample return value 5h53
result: 8h53
